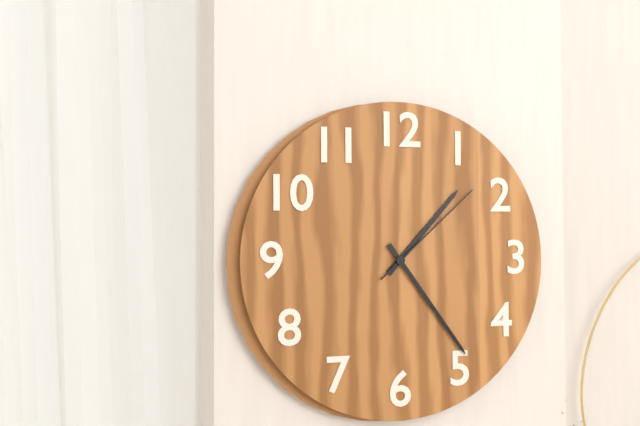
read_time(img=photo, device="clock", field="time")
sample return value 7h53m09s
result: 1h24m08s
